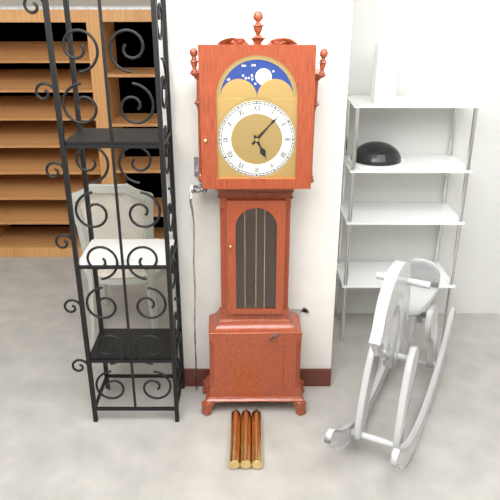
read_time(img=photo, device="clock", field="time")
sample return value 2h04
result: 5h07
